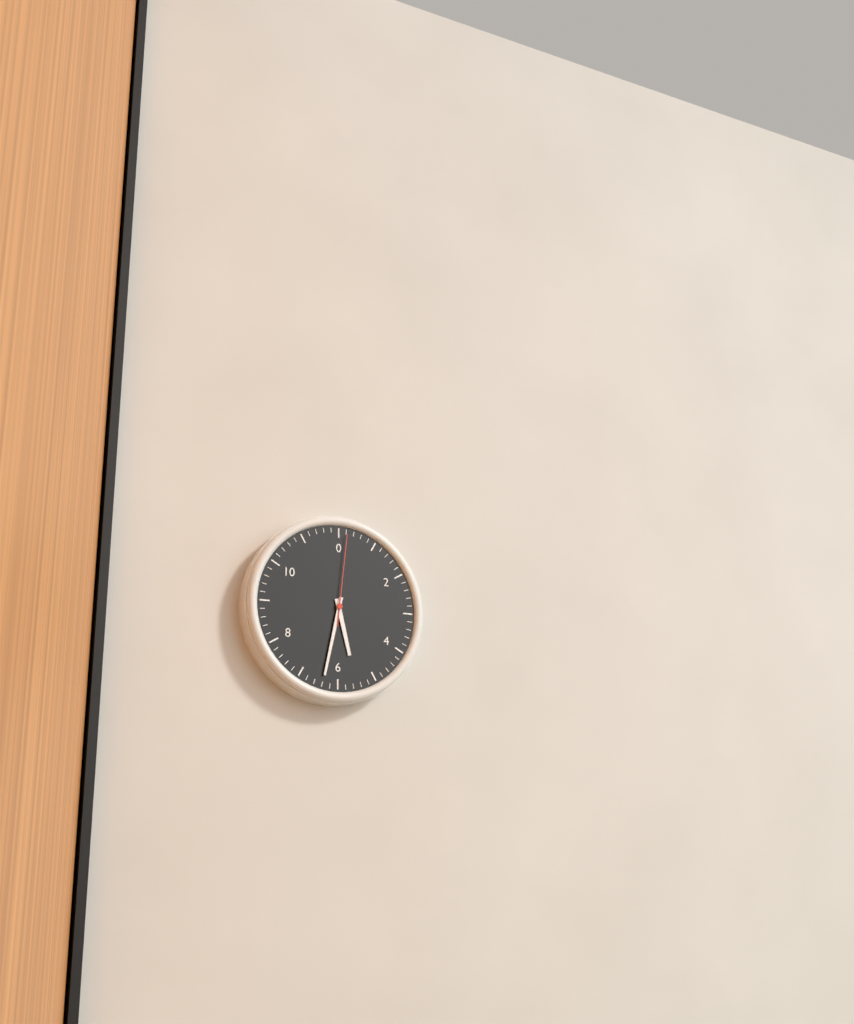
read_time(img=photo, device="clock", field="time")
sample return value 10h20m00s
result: 5h32m01s
